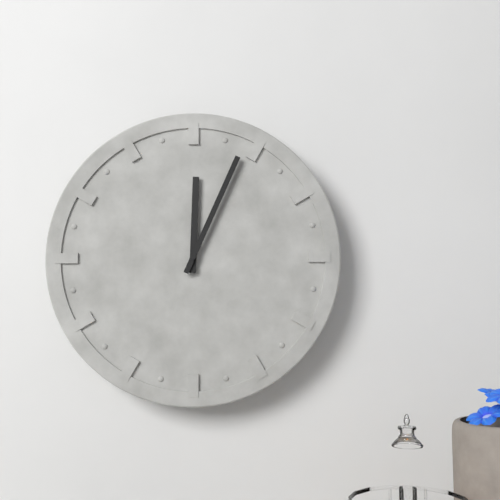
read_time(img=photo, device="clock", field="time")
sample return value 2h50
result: 12h04
